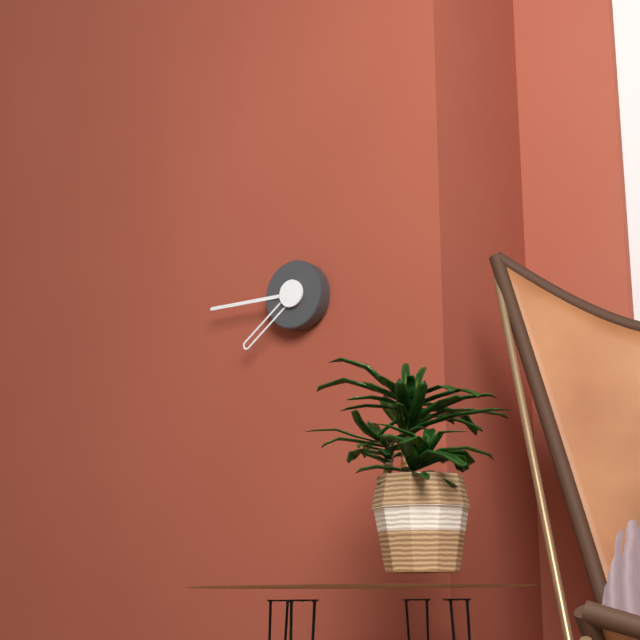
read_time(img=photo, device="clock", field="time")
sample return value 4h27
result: 7h45
